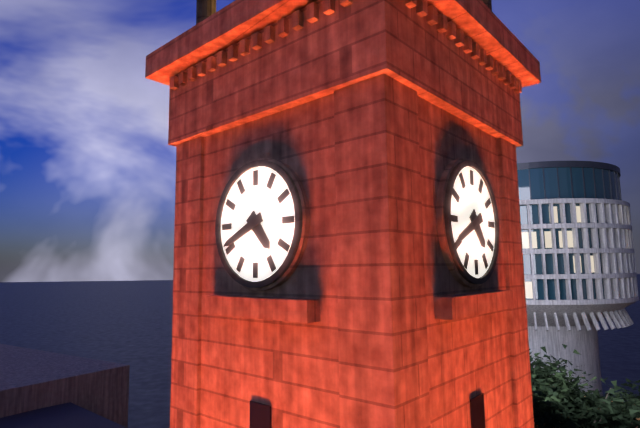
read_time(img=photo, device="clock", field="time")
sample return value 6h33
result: 4h41
